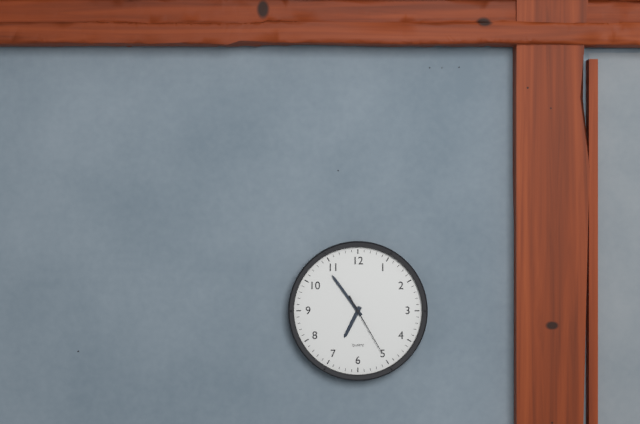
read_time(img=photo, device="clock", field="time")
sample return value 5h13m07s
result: 6h54m25s
